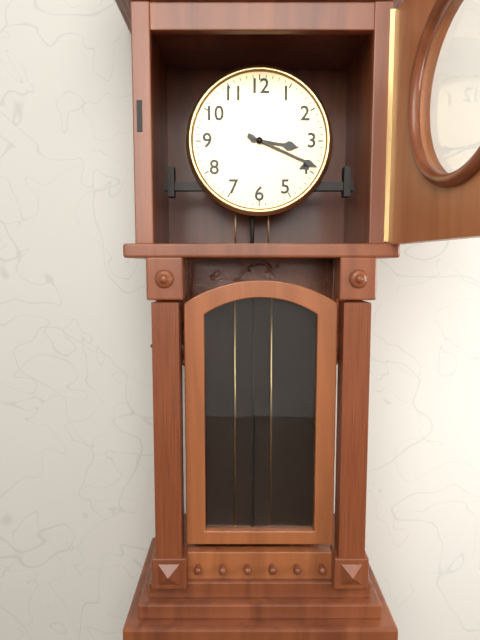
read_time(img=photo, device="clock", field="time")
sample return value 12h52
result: 3h19
